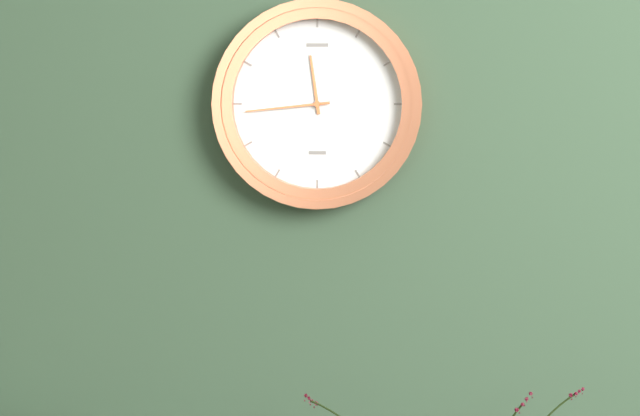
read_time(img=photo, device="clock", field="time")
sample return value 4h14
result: 11h44
